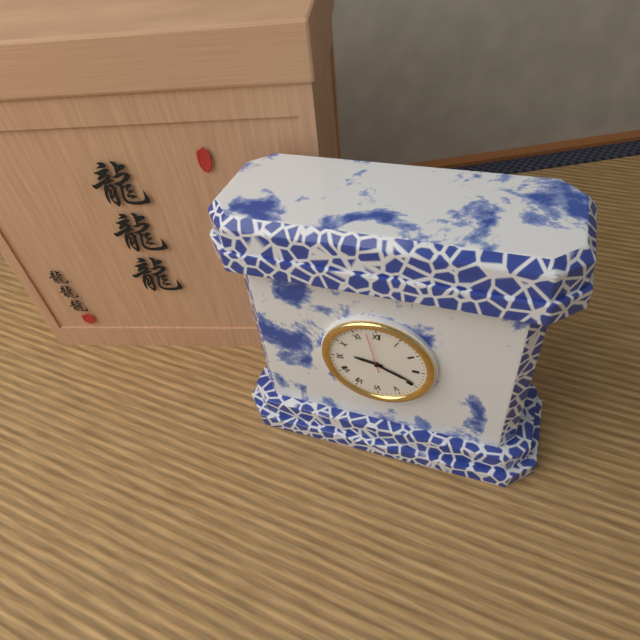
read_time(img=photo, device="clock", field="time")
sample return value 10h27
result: 9h19
